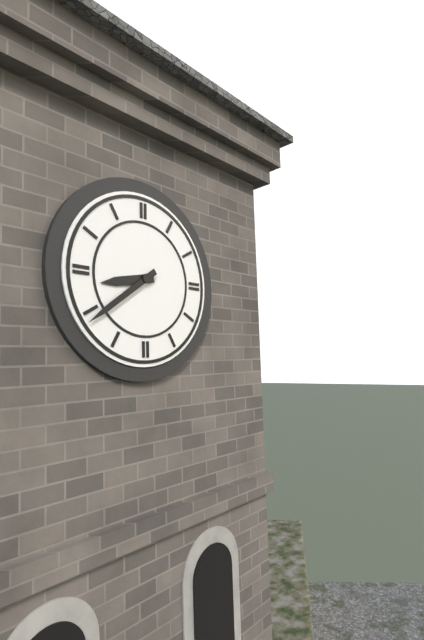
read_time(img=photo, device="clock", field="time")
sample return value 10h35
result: 8h39
